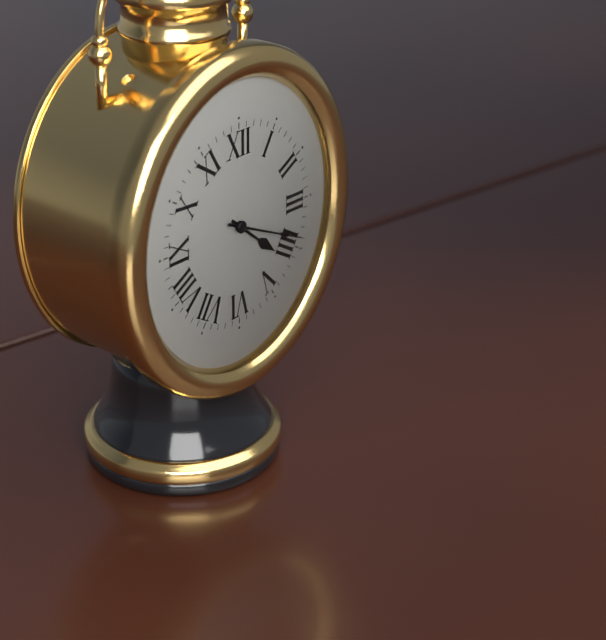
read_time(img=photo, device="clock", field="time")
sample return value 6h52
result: 4h19
